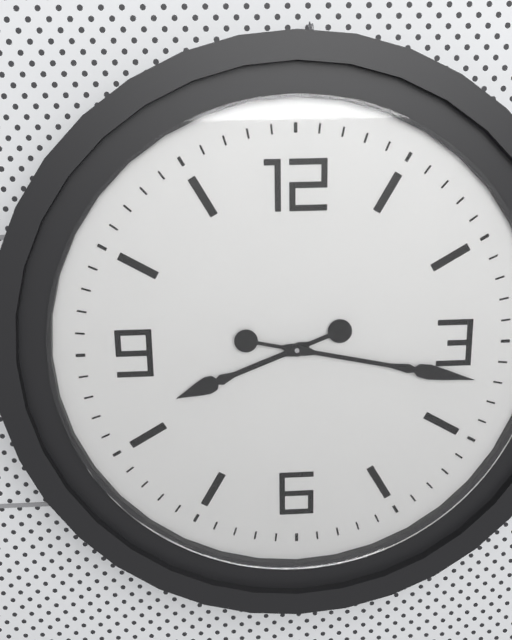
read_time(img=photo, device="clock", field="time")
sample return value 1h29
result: 8h17
